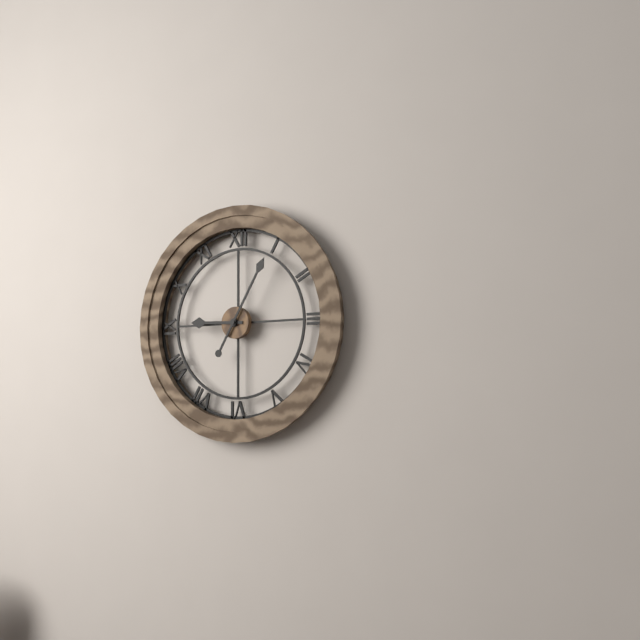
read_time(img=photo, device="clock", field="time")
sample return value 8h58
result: 9h05
